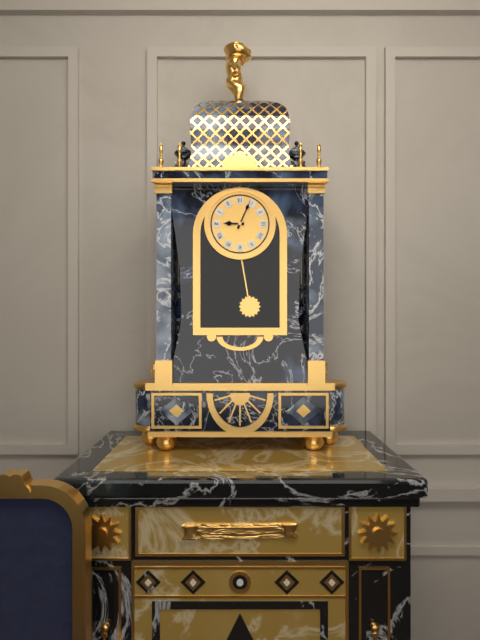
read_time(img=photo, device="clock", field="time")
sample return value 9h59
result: 9h04
